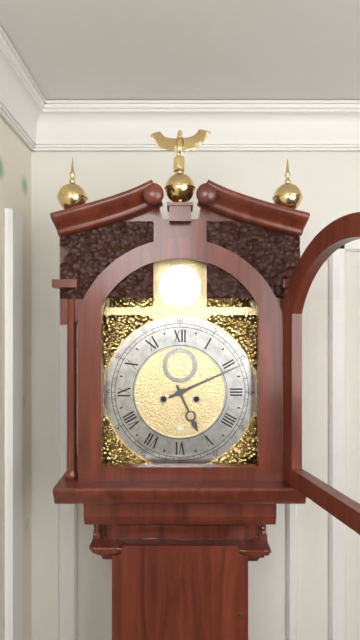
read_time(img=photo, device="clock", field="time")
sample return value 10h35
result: 5h11
